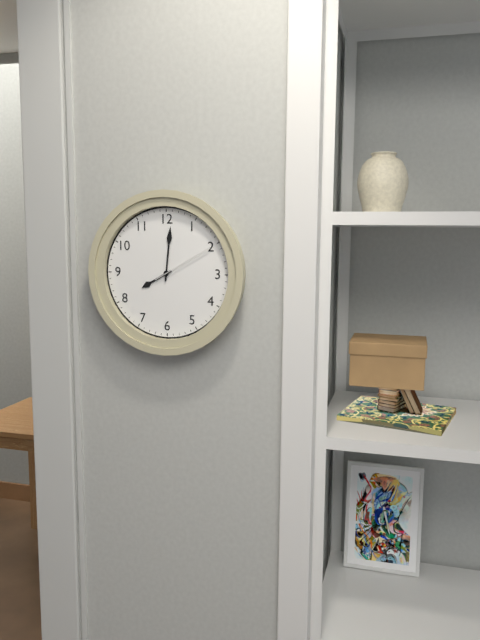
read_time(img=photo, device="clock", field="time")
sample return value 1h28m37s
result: 8h01m10s
